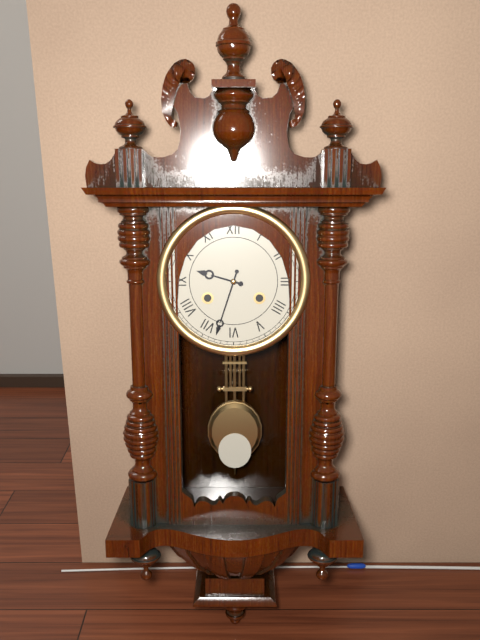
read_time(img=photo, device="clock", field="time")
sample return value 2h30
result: 9h33
